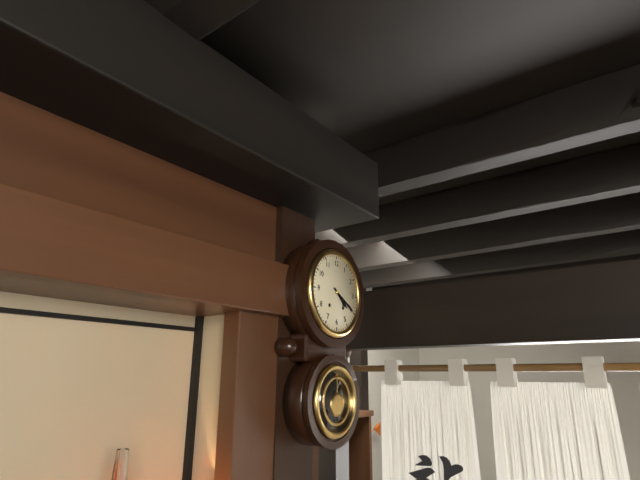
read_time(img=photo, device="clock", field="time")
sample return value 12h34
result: 4h20
